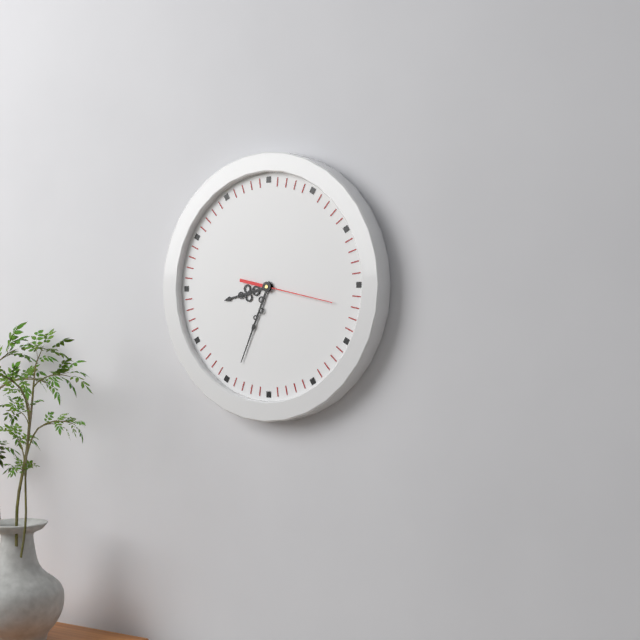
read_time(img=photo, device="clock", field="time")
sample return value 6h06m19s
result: 8h34m17s
